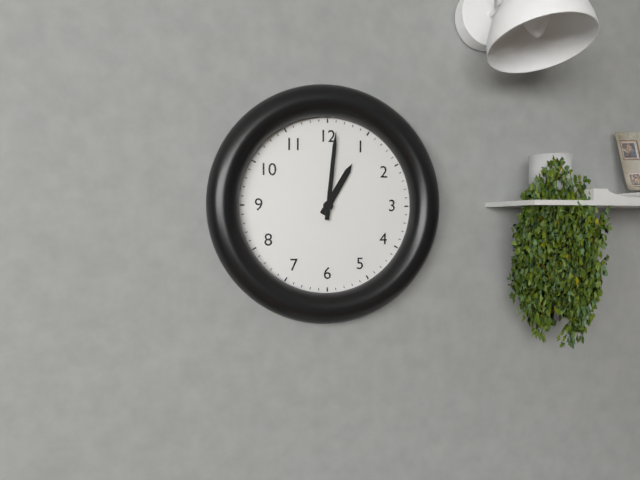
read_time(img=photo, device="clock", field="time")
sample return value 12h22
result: 1h01
